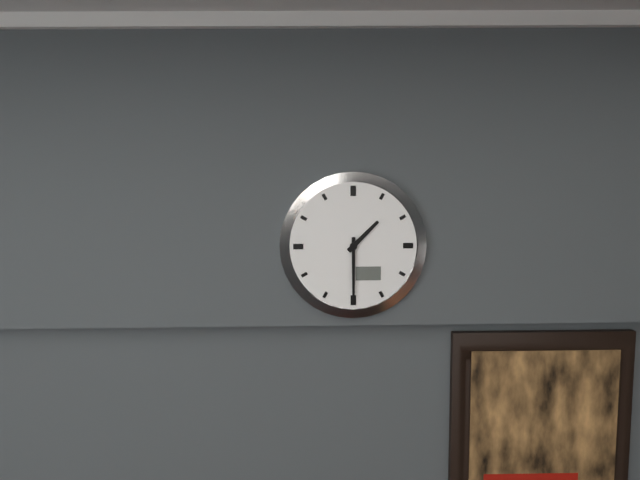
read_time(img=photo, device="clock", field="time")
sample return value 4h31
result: 1h30
